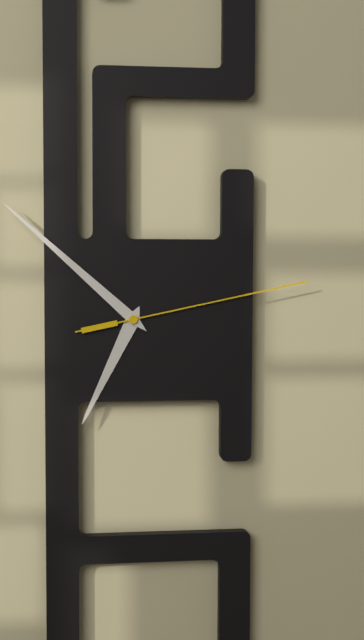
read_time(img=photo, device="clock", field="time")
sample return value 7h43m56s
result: 6h52m13s
